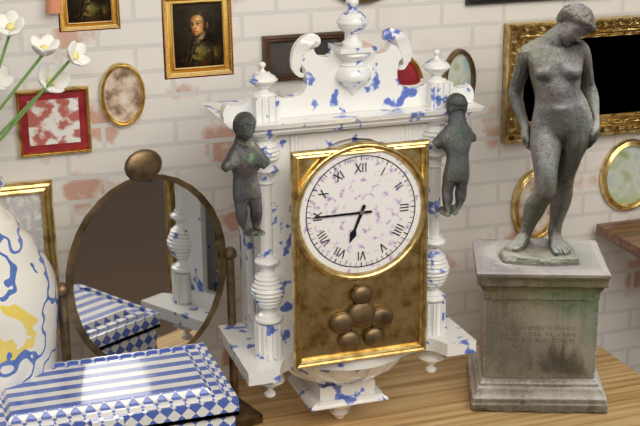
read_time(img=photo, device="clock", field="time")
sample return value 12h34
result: 6h45
